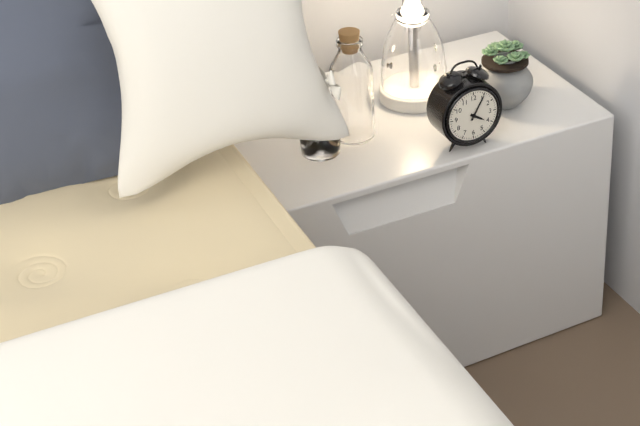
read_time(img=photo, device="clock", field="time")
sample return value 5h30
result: 4h05
